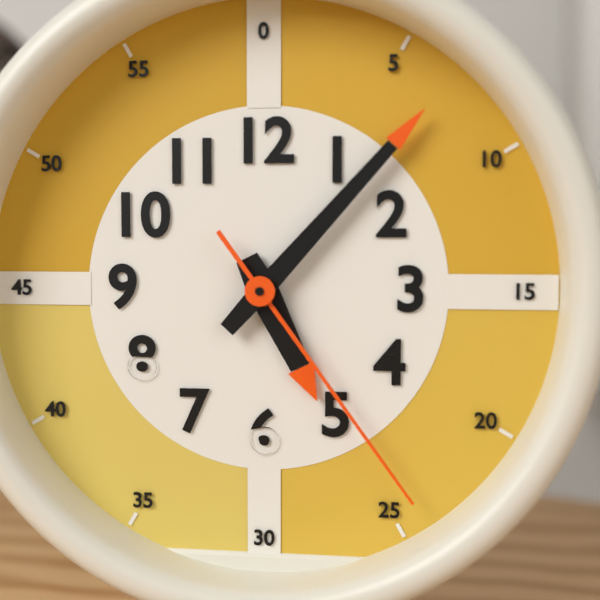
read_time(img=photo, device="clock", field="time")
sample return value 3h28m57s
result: 5h07m24s
